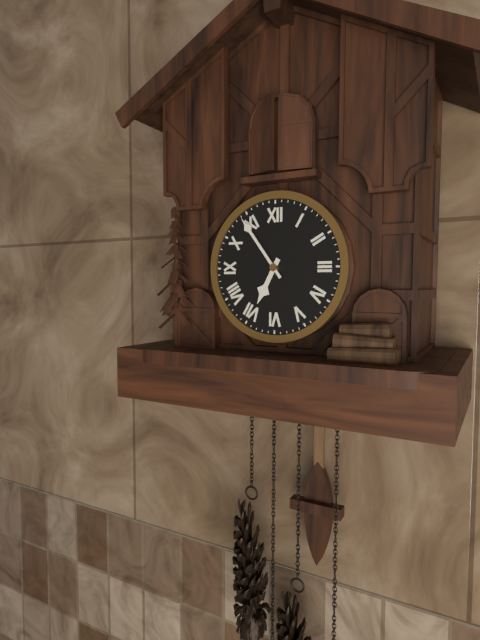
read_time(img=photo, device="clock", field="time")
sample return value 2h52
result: 6h54
